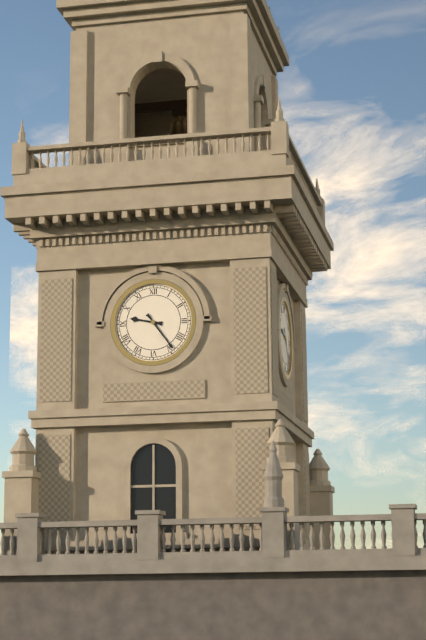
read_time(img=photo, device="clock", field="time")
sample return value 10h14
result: 9h24
